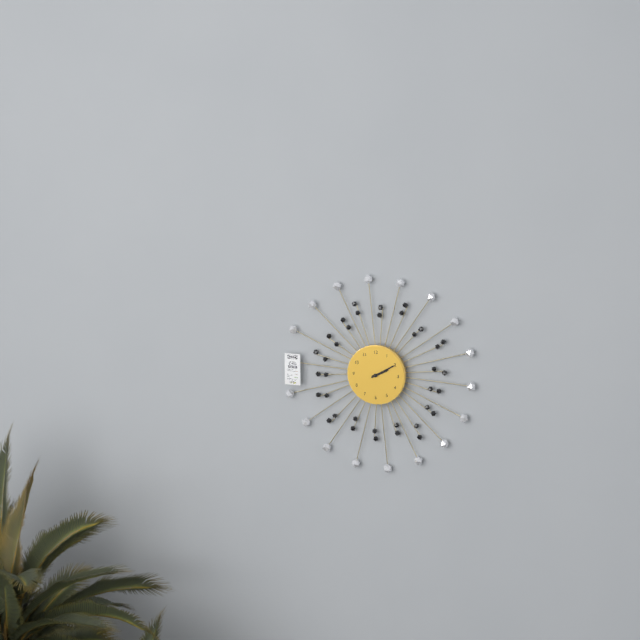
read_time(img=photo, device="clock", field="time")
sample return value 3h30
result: 2h10
